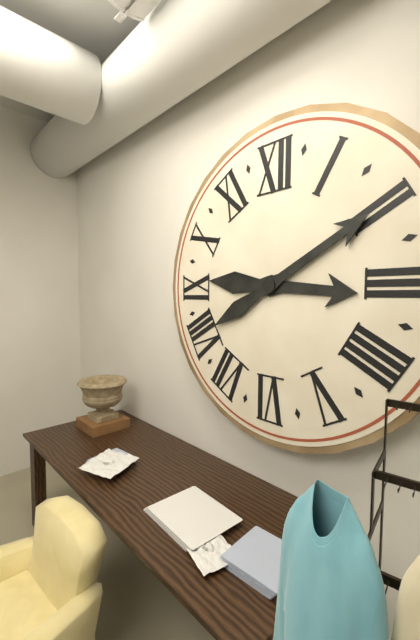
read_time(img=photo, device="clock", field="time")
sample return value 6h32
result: 3h10
